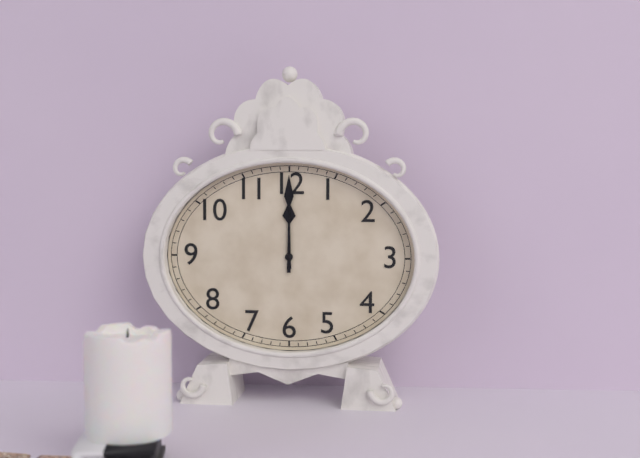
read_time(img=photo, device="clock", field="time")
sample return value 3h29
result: 12h00
